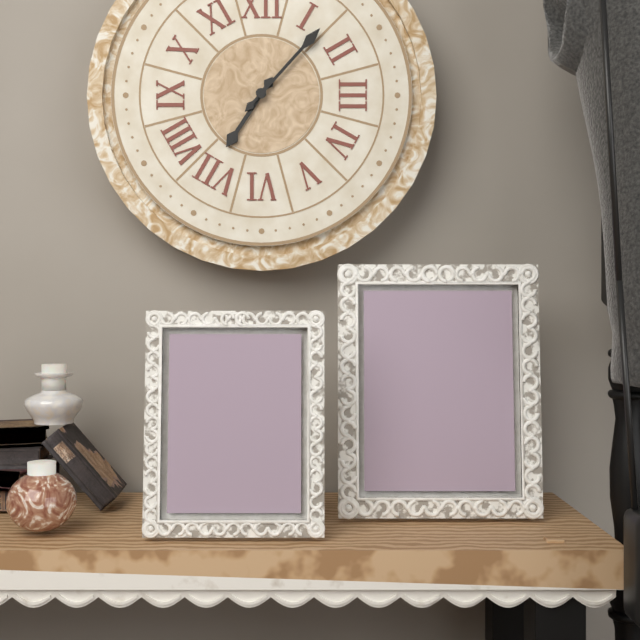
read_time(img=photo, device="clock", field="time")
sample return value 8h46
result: 7h07
